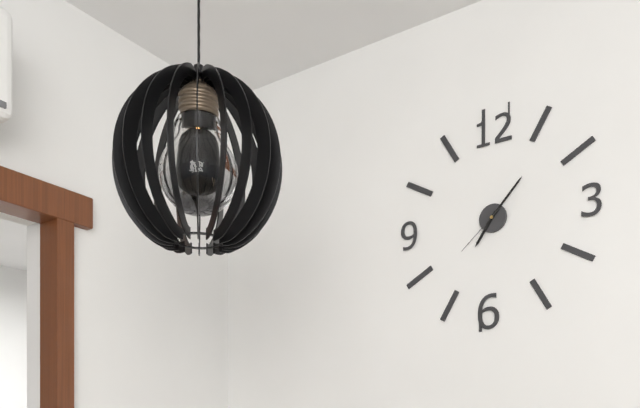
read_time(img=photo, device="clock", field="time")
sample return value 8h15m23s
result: 7h07m38s
